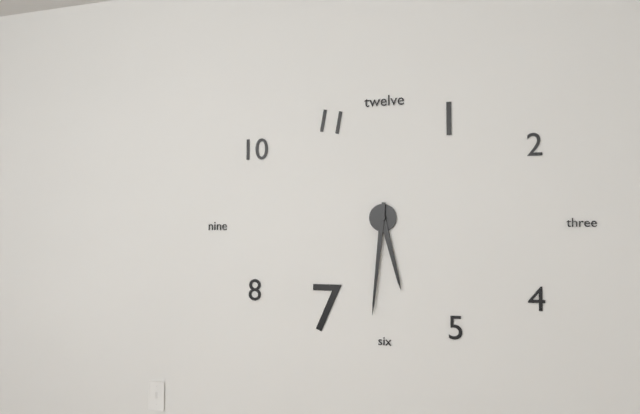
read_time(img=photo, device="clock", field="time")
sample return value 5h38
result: 5h31
